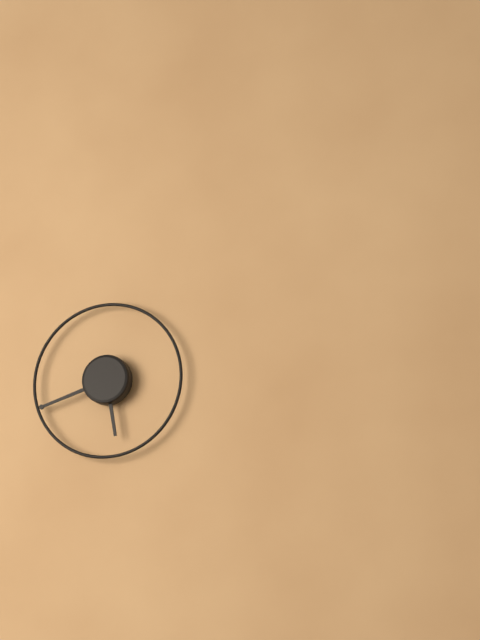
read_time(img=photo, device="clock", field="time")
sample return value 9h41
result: 5h42
